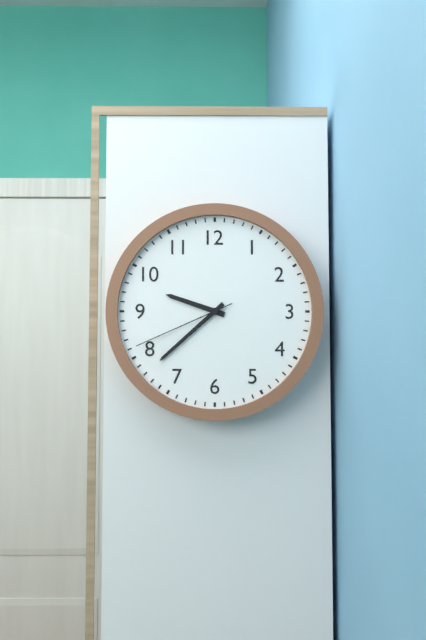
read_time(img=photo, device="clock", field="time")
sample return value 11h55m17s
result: 9h38m41s
